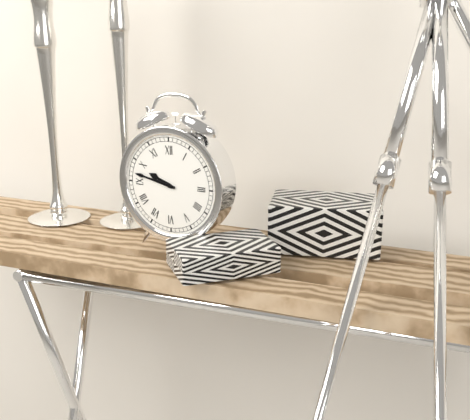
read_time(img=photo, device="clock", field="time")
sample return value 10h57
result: 9h47
